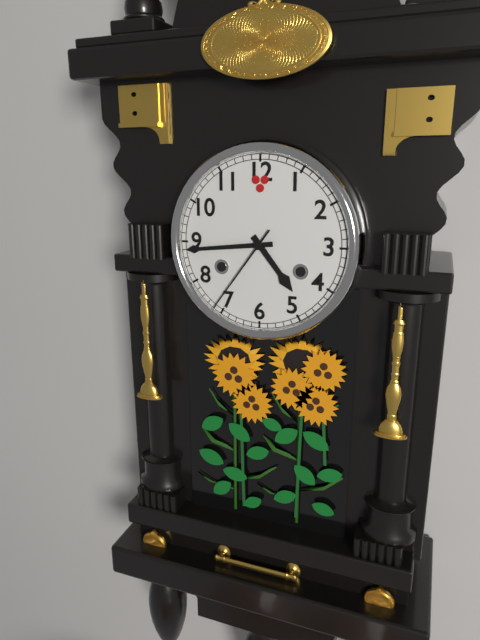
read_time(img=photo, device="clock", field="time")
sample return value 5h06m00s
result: 4h44m36s
